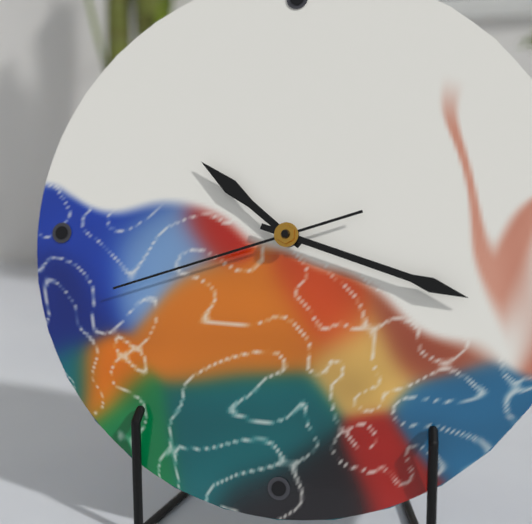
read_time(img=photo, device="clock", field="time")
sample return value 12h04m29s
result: 10h18m42s
